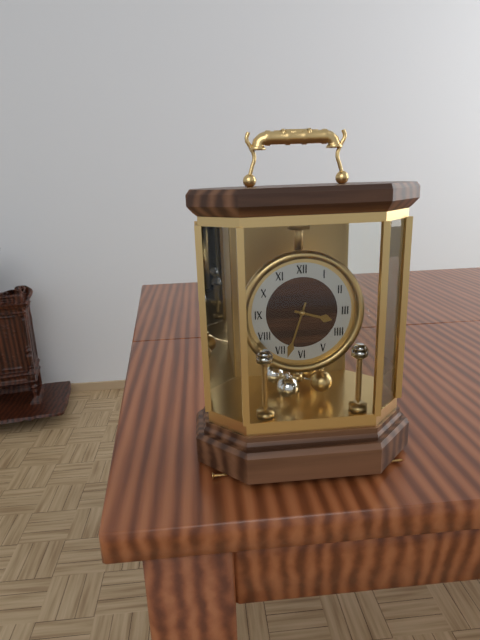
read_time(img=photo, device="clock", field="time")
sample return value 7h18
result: 3h33
